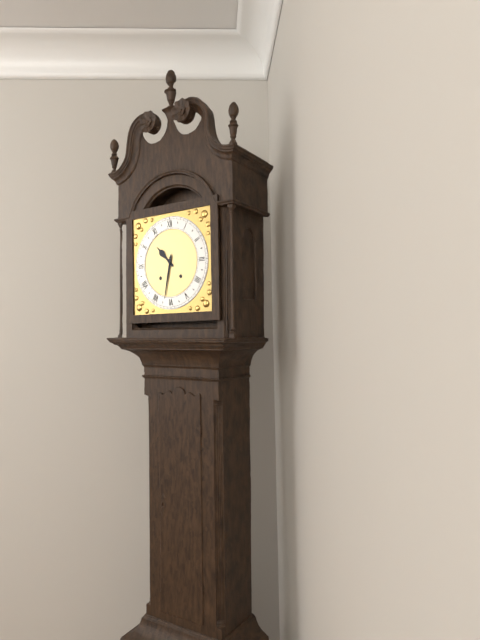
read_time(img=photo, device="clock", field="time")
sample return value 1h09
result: 10h32
